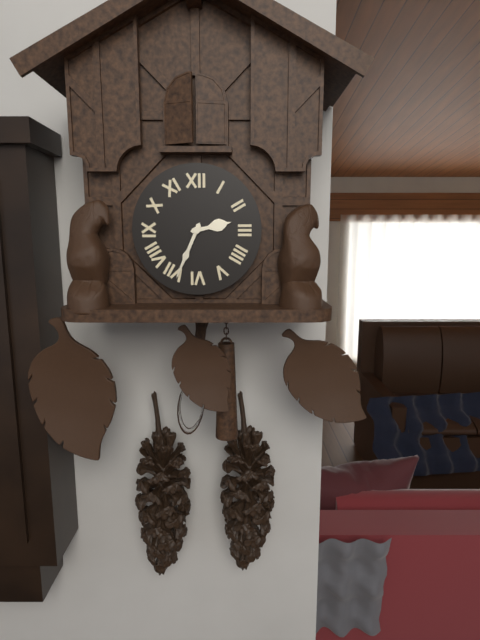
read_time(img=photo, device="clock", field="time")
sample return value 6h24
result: 2h34
